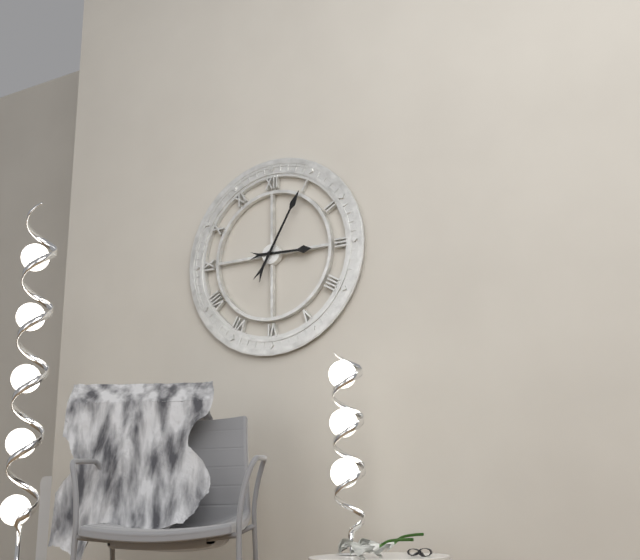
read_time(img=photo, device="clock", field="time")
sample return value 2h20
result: 3h05
